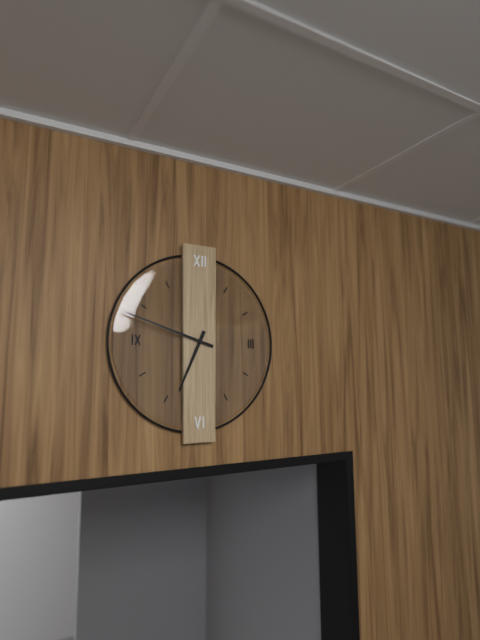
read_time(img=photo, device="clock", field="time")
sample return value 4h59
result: 6h48
